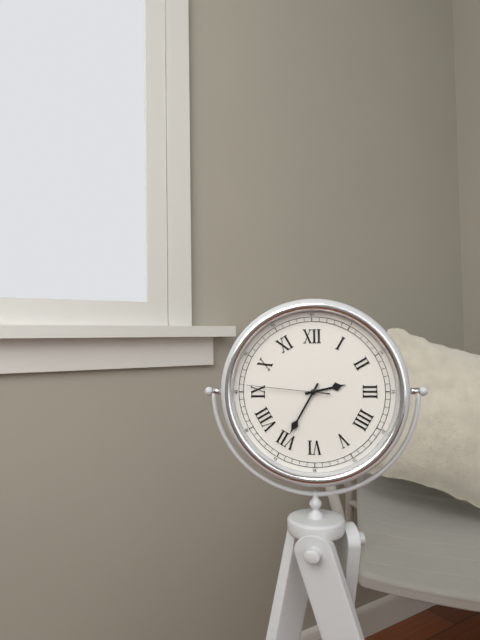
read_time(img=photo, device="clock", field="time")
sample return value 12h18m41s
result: 2h35m46s
